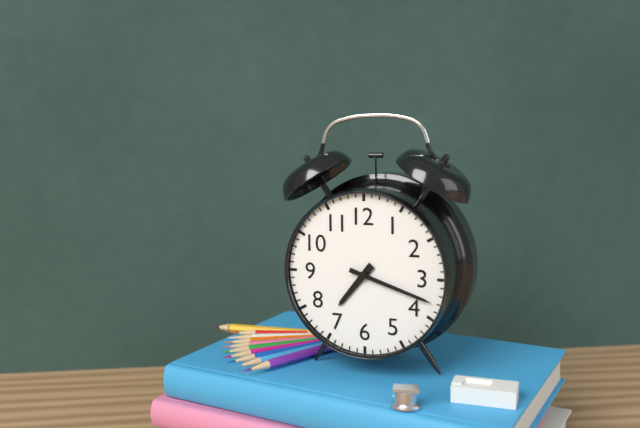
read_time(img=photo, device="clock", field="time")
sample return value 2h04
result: 7h18
